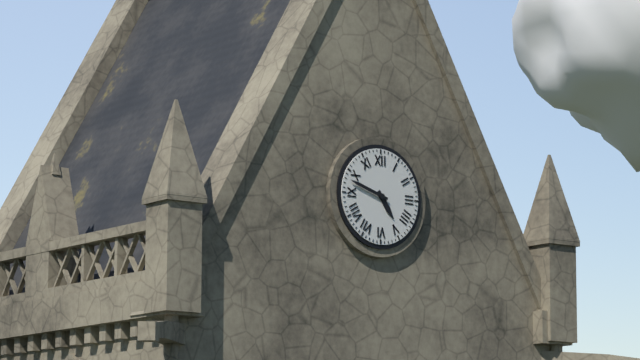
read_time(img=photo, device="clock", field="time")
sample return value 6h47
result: 4h48
